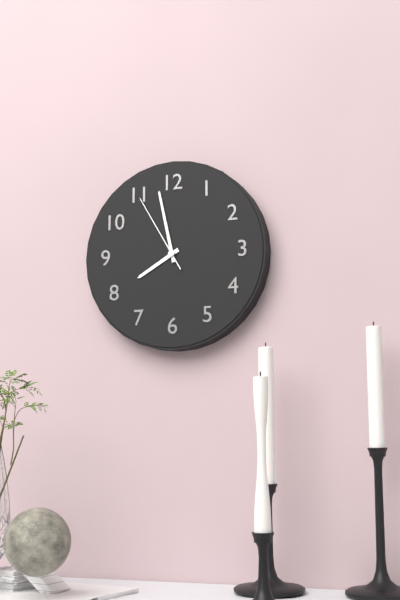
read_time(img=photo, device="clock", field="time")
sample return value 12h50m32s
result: 7h58m55s
